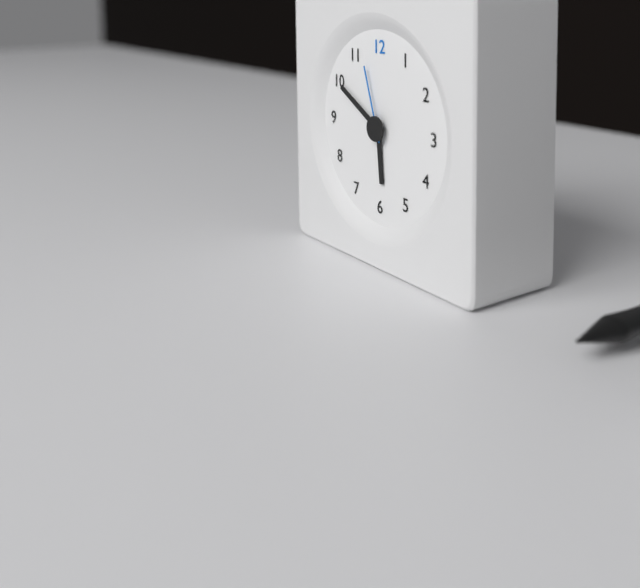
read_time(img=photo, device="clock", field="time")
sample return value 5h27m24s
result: 5h50m57s
